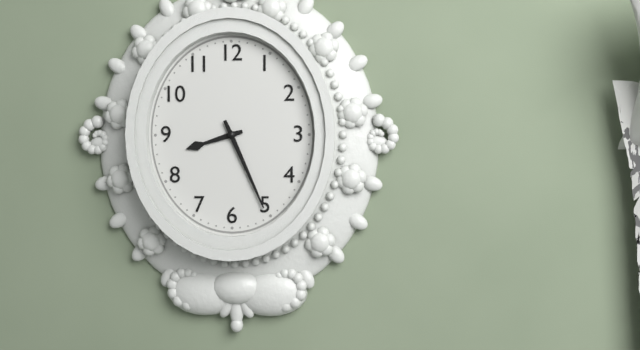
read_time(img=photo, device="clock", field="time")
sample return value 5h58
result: 8h26
